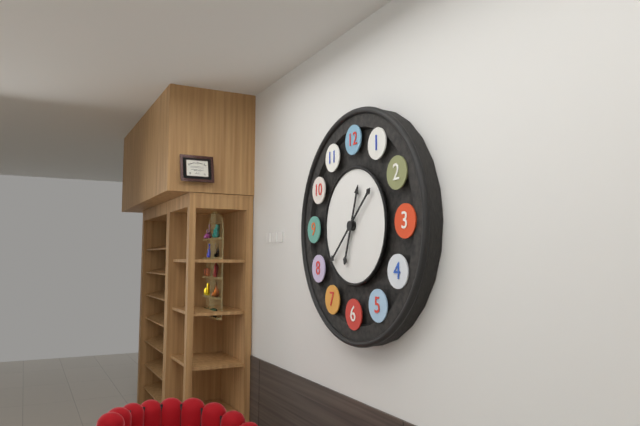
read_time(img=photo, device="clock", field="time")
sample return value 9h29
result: 12h38
